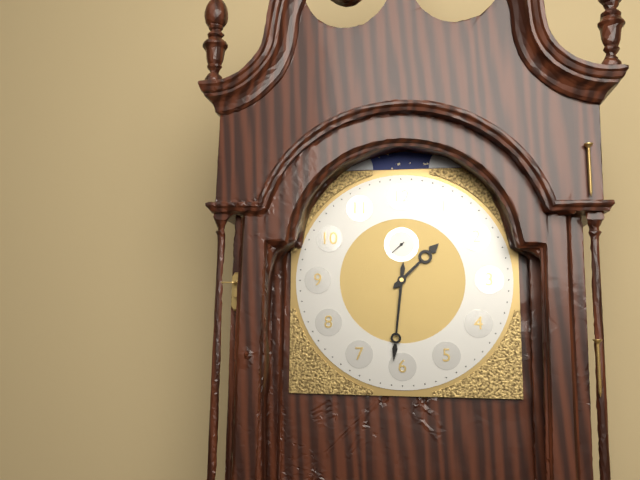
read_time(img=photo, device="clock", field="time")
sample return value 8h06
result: 1h31
